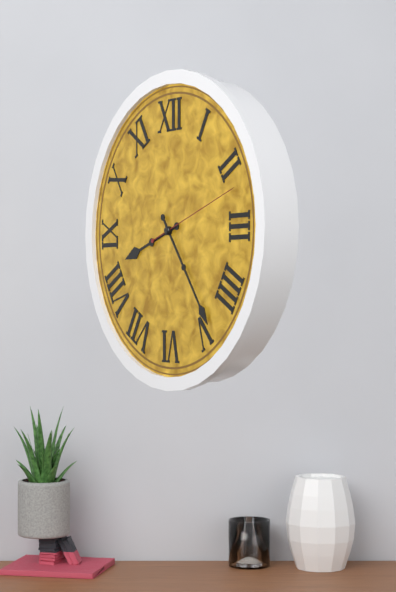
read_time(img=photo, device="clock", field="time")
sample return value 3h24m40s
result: 8h24m12s
